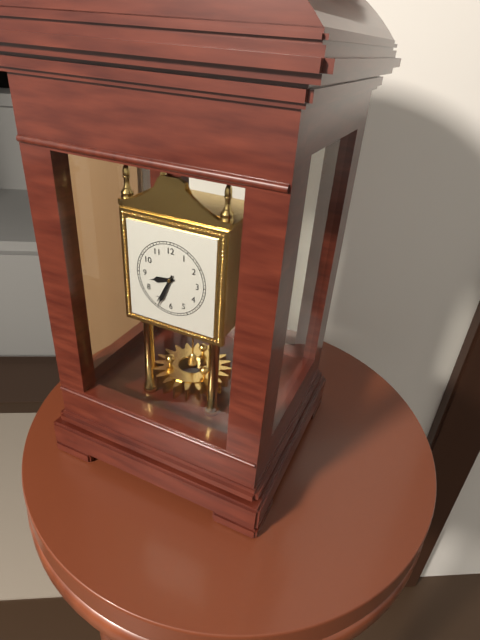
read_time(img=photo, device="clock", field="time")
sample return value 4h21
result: 8h34
